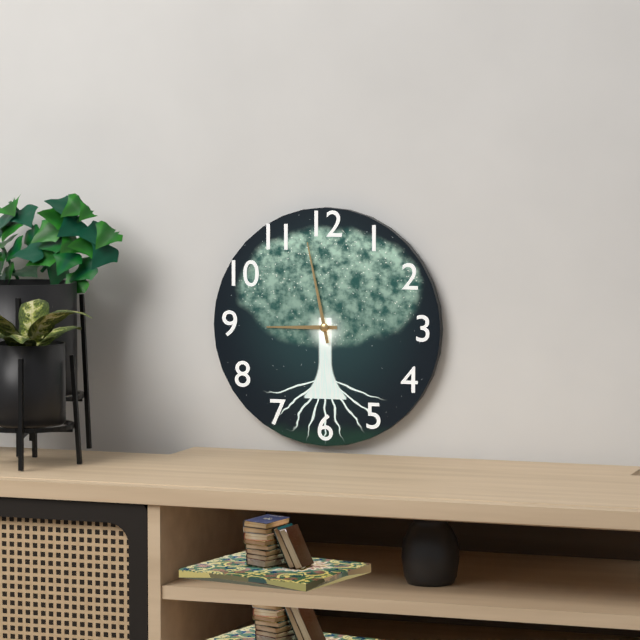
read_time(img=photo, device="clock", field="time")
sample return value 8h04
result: 8h58
